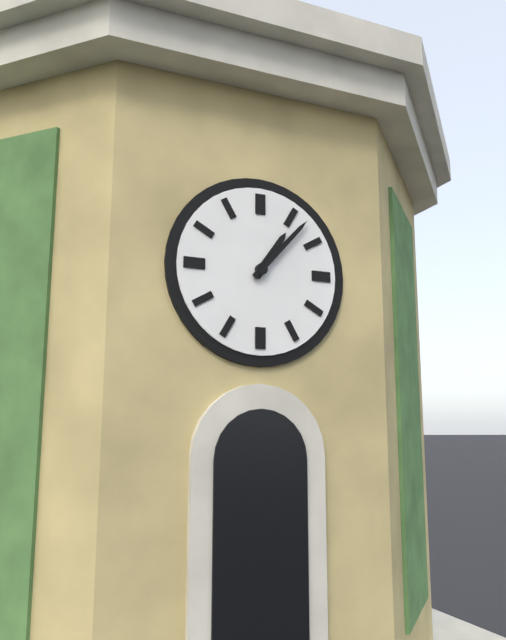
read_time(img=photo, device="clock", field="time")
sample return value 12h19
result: 1h07
